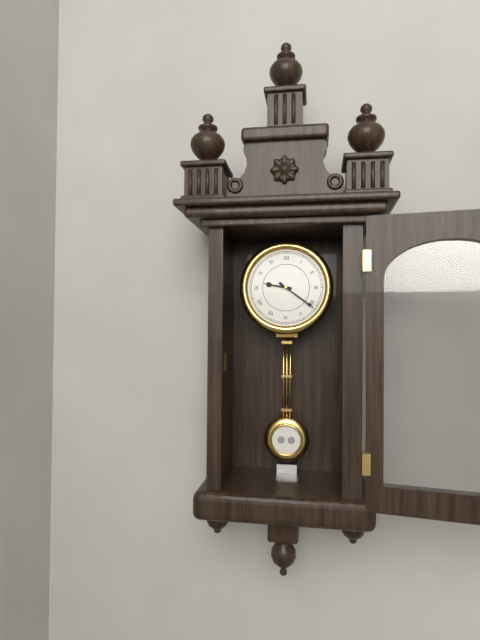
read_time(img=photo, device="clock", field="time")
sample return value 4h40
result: 9h21
